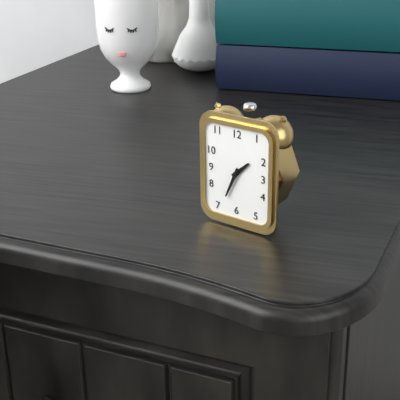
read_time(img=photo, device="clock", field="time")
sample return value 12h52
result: 1h34
